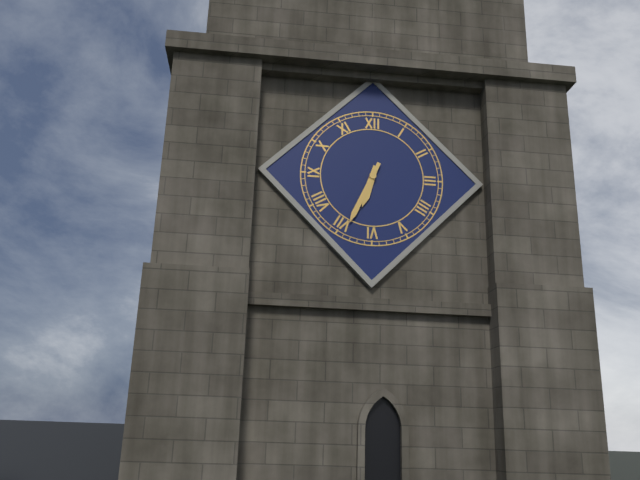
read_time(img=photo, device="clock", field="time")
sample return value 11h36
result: 6h34
